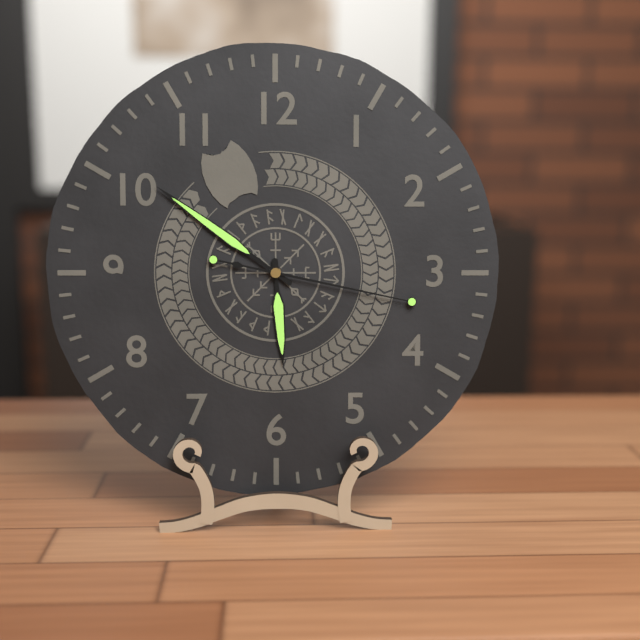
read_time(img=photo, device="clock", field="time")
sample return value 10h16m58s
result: 5h51m17s
